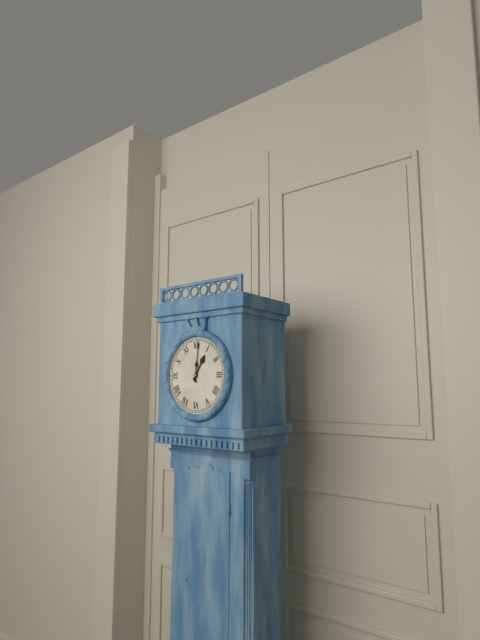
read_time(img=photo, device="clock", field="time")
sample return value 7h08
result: 1h01
